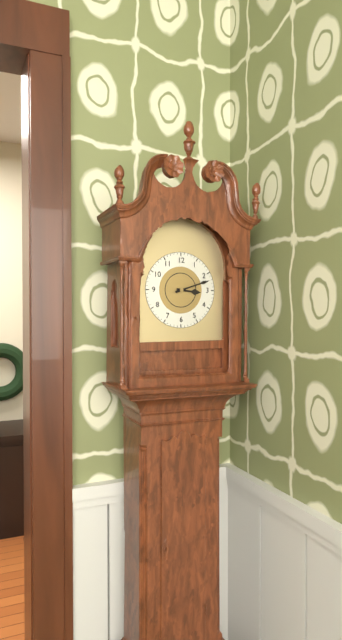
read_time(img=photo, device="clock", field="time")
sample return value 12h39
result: 3h12
